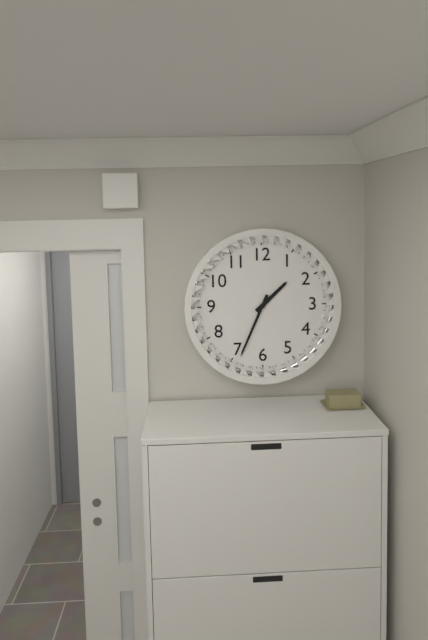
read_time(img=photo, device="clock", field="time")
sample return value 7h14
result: 1h34
